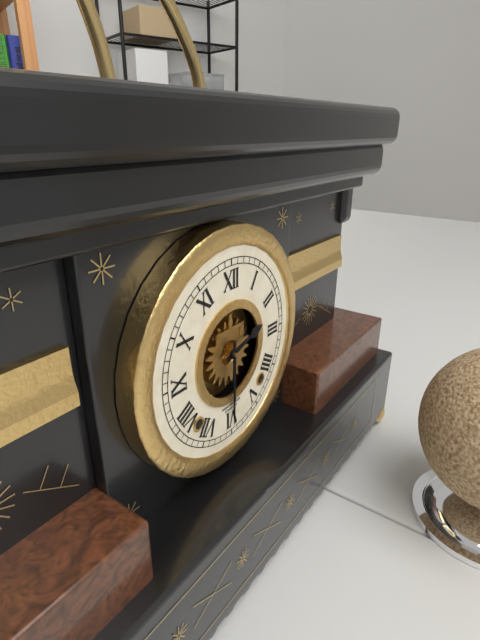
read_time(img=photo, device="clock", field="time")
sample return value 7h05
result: 2h30
